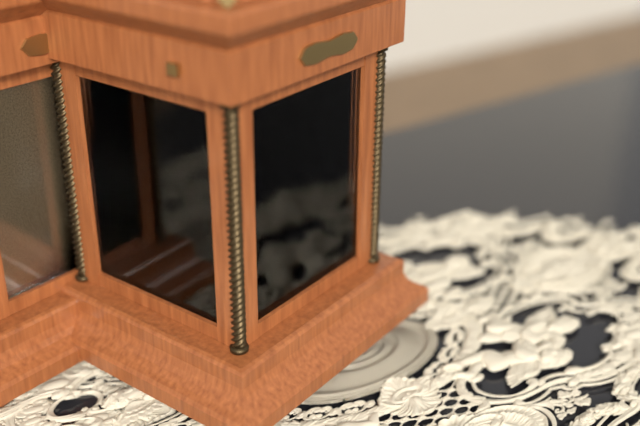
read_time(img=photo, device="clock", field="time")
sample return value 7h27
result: 2h14
